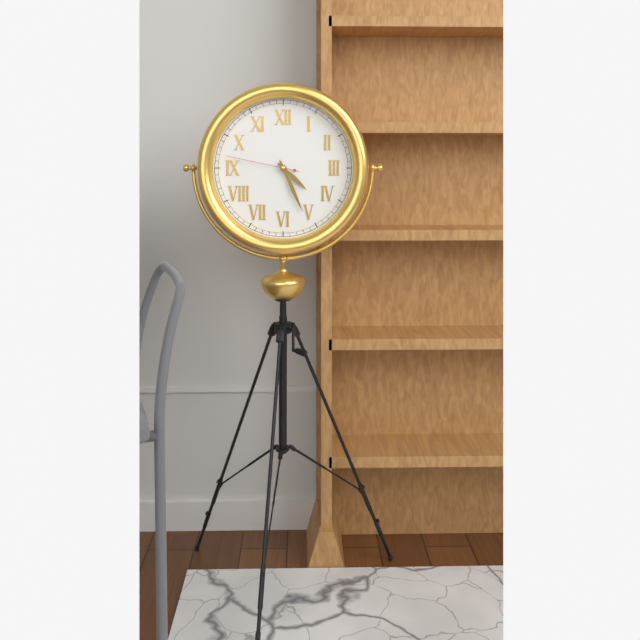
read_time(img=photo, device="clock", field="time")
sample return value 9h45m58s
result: 4h26m47s
